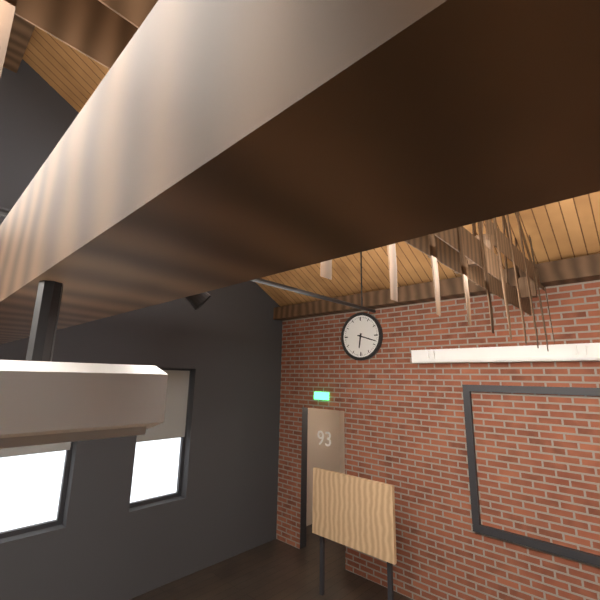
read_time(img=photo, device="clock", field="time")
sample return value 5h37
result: 6h18
